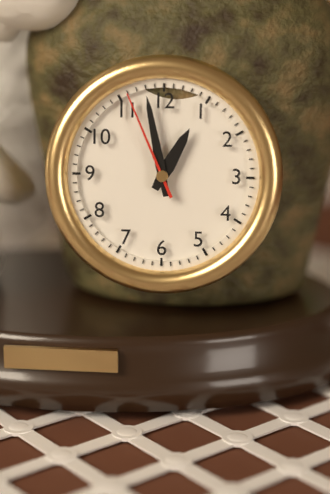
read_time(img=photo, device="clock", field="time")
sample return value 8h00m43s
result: 12h58m56s
